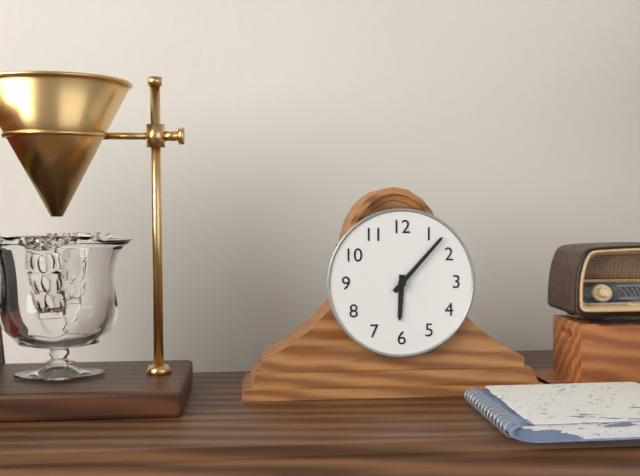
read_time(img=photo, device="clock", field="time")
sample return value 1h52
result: 6h07
